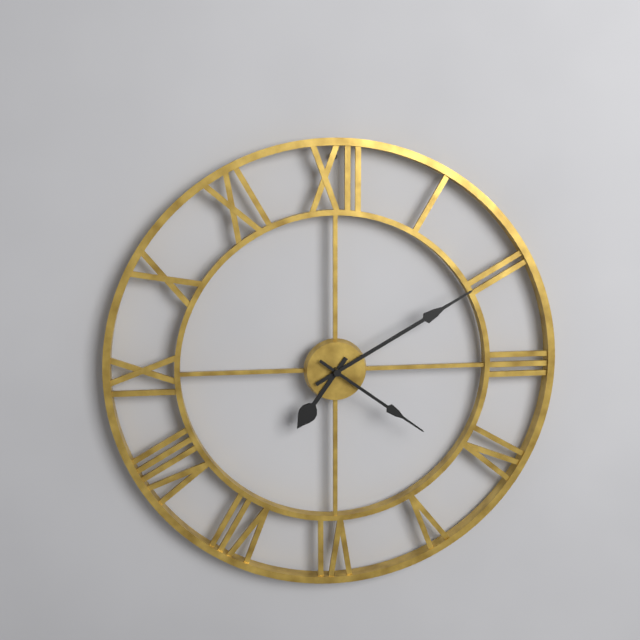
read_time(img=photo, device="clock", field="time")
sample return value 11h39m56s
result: 7h10m21s
